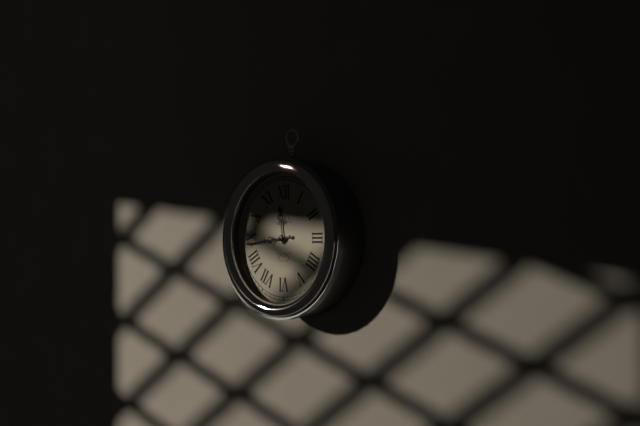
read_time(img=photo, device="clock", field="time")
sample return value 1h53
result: 11h44
